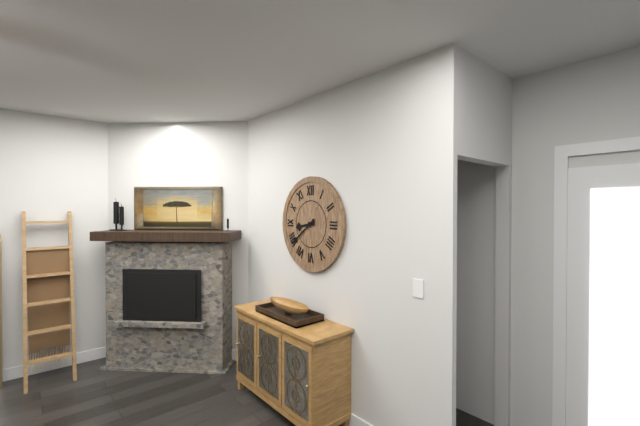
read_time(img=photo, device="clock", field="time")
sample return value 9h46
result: 8h39
